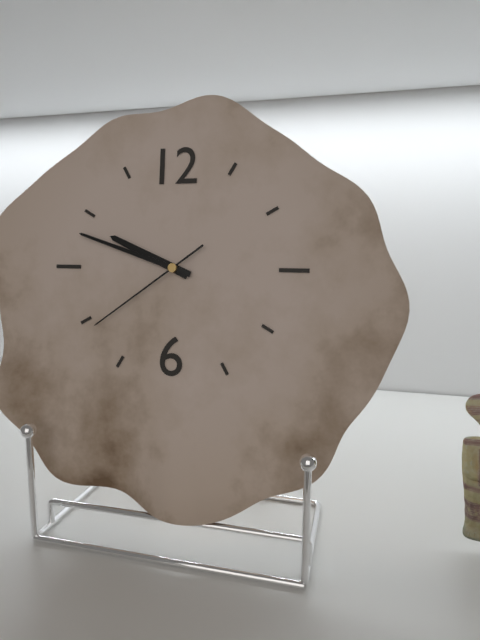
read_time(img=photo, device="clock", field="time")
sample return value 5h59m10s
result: 9h48m39s
